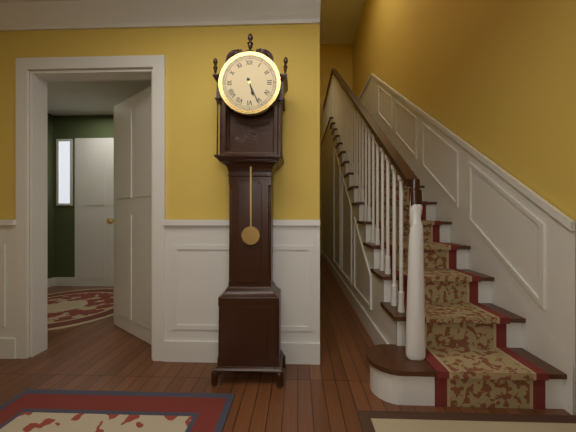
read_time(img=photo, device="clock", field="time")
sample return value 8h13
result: 5h26
